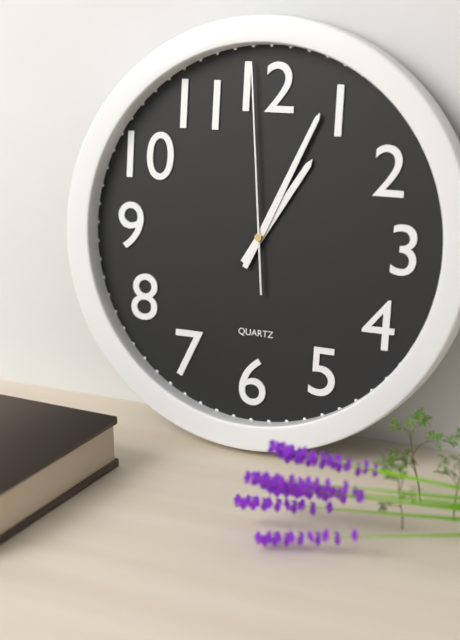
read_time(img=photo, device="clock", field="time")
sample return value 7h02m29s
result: 1h04m59s
